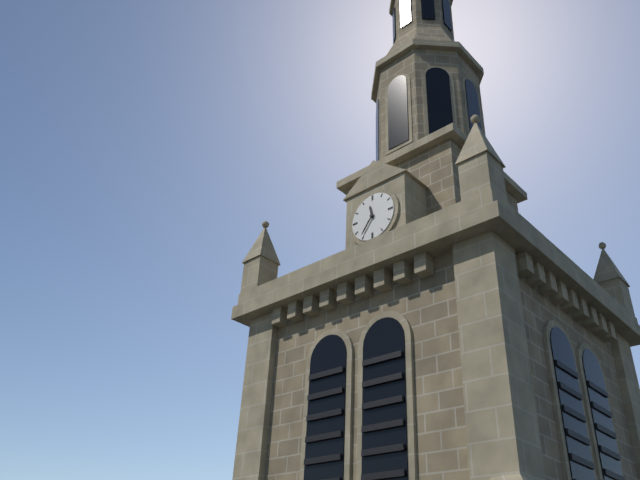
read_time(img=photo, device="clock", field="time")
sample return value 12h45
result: 11h36
